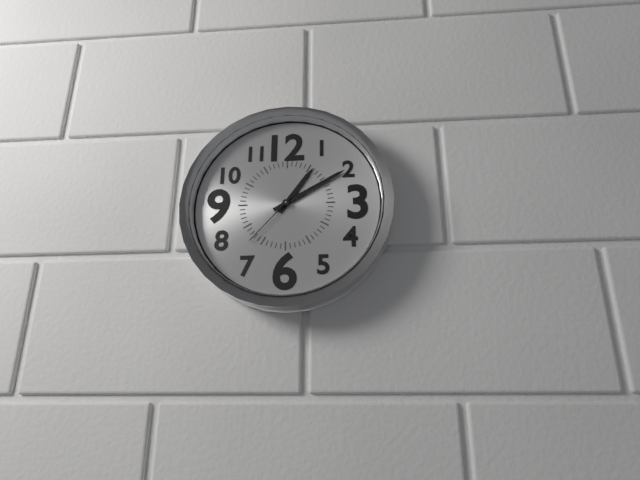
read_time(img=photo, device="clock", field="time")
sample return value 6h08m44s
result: 1h10m37s
